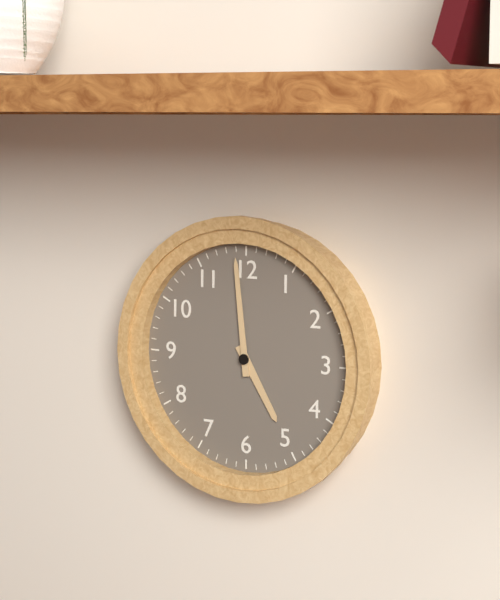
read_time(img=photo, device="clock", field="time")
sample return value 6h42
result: 4h59
